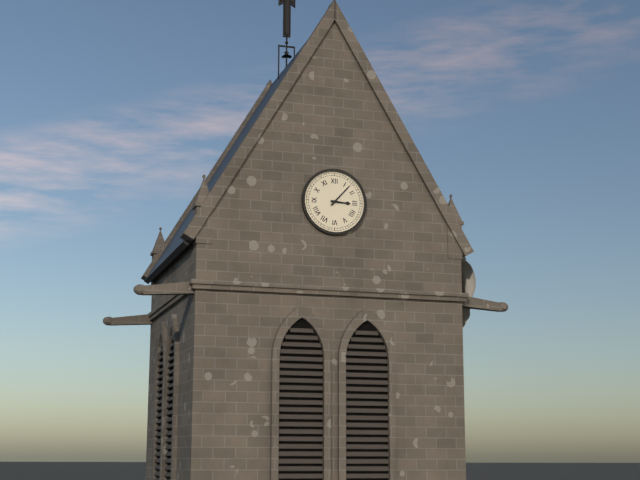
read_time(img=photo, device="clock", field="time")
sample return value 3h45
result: 3h07
